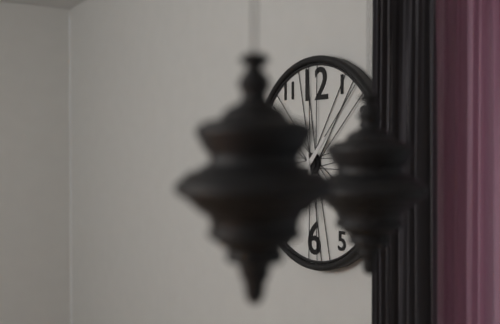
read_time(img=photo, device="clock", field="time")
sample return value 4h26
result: 1h28
